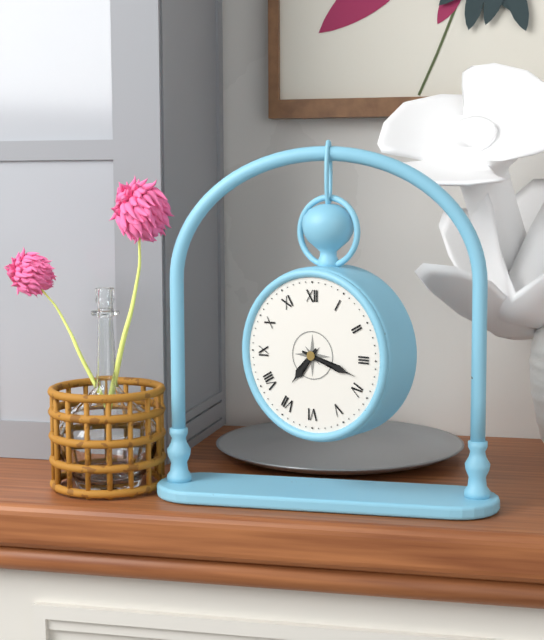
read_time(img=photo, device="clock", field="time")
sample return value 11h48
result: 7h18
